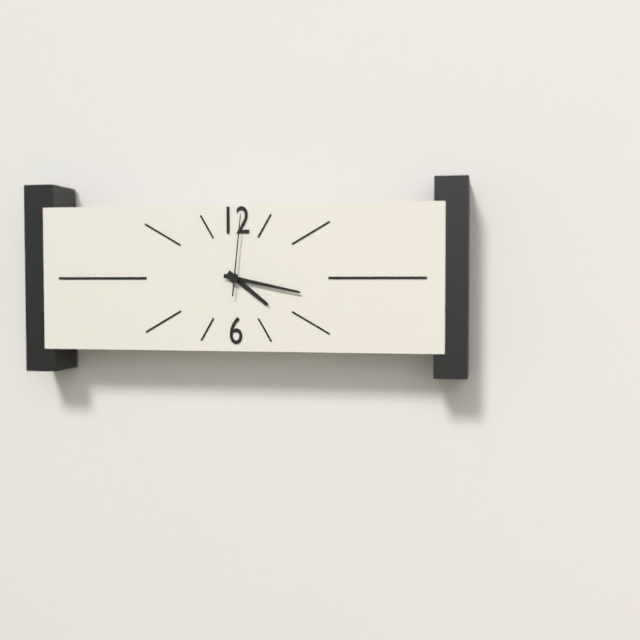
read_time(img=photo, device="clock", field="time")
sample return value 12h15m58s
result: 4h17m01s
